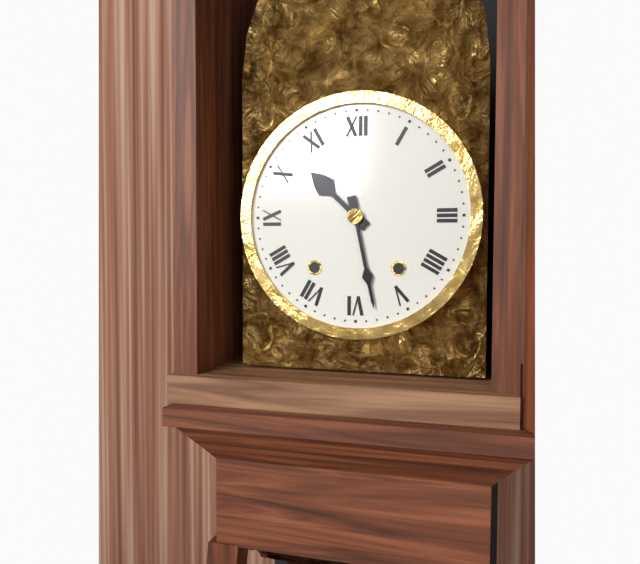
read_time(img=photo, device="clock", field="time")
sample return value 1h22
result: 10h28
